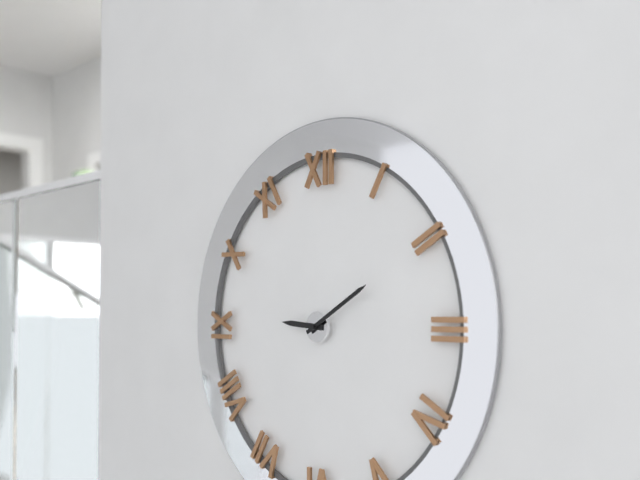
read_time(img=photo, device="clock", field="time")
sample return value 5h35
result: 9h10
